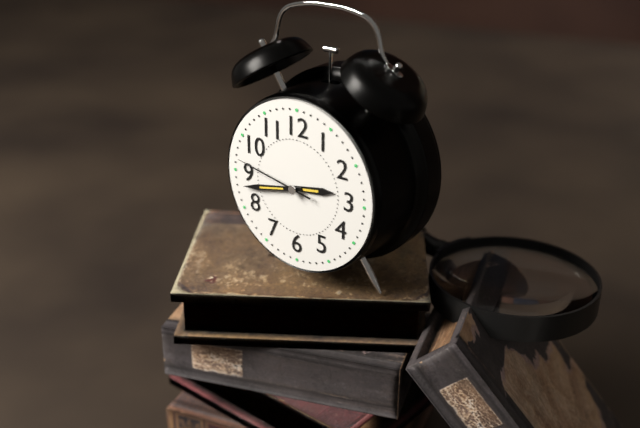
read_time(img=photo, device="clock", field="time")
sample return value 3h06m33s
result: 2h43m47s
